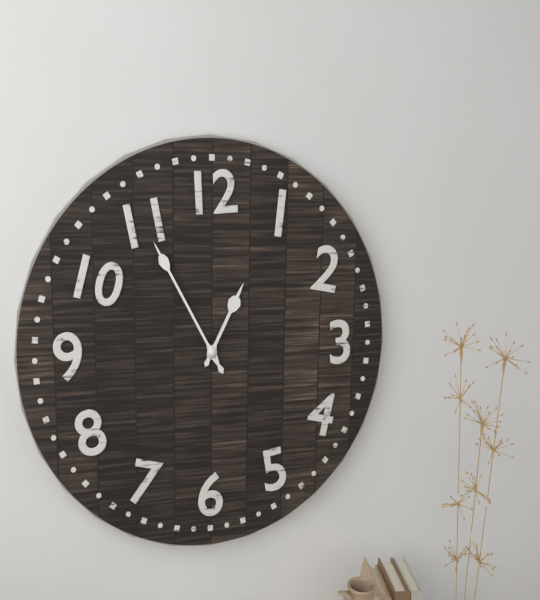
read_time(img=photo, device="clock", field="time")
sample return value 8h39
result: 12h55
